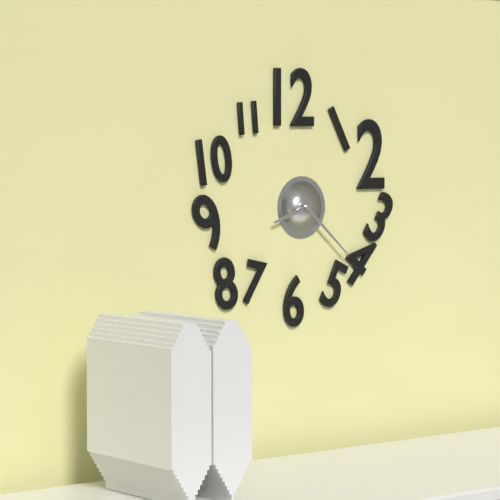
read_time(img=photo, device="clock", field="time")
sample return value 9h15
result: 8h22
